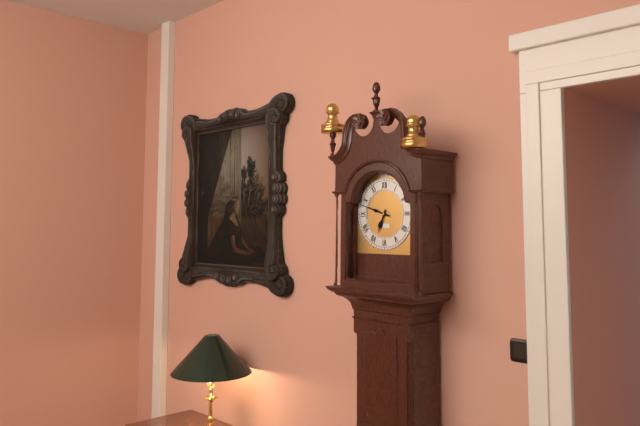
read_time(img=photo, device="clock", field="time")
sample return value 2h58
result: 6h48
